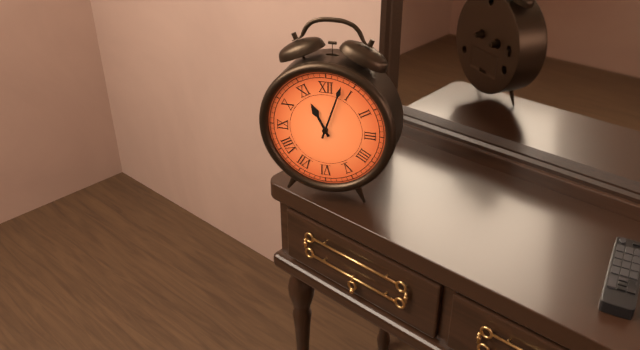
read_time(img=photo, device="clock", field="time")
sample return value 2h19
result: 11h03
